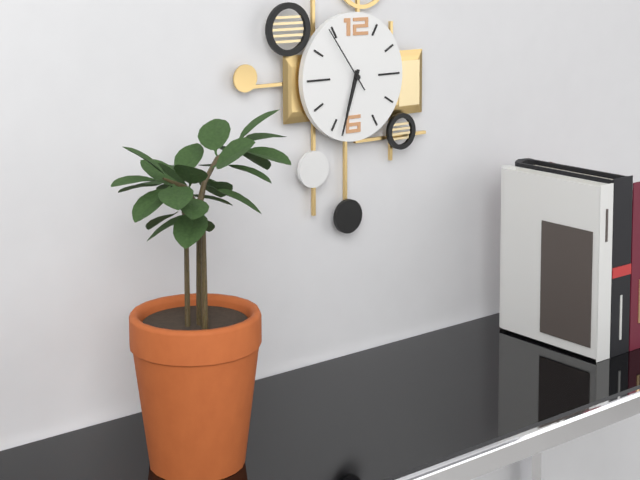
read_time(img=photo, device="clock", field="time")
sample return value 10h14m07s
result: 6h33m54s
